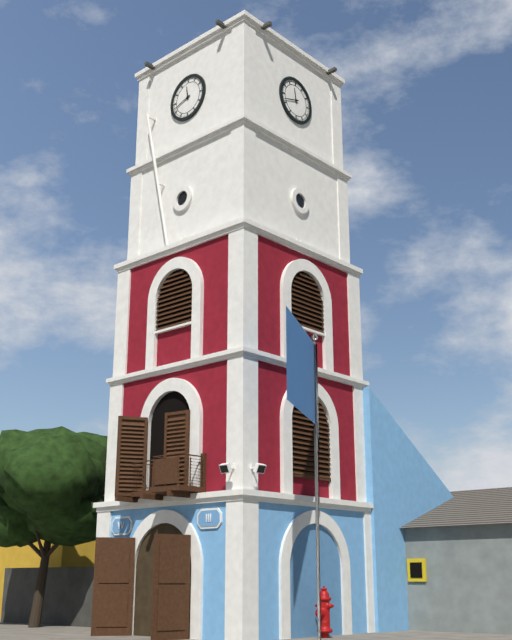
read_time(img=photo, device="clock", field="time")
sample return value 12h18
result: 11h42
